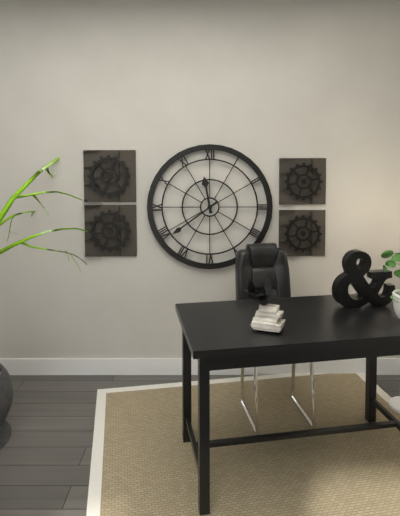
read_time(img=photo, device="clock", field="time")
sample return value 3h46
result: 11h39
